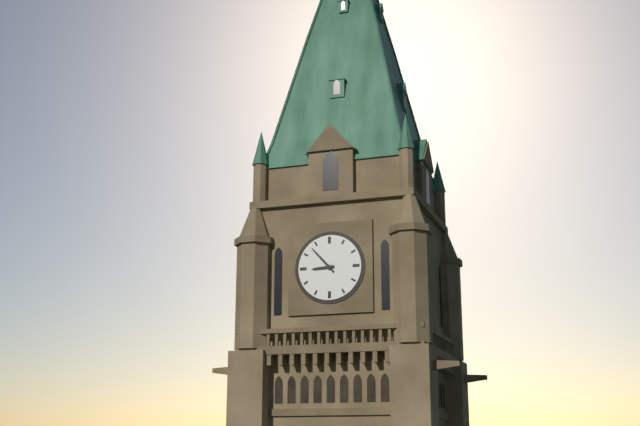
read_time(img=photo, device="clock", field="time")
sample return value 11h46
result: 8h53
